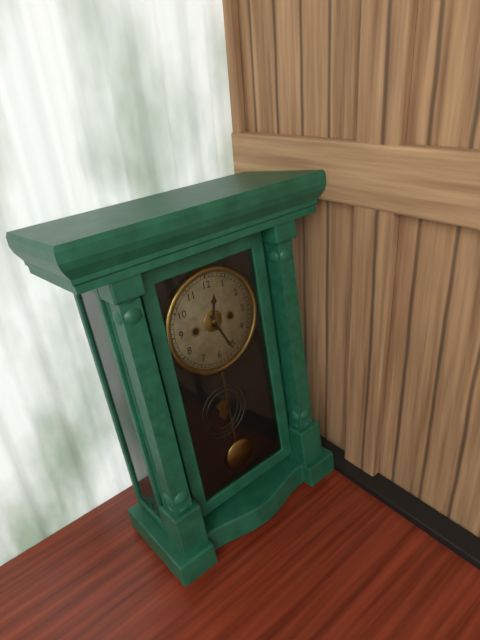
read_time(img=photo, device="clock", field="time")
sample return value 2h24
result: 12h26
